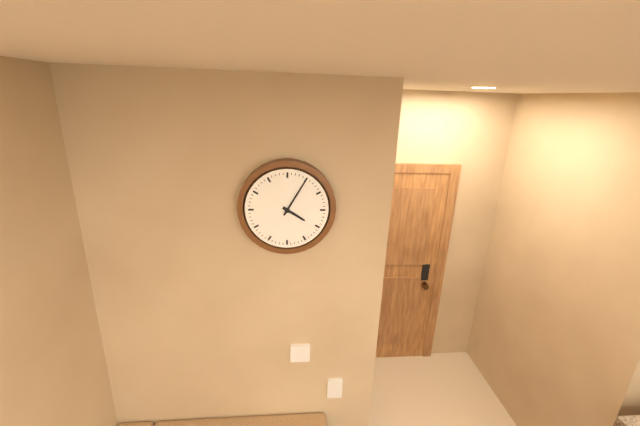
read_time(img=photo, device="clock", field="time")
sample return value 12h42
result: 4h05
